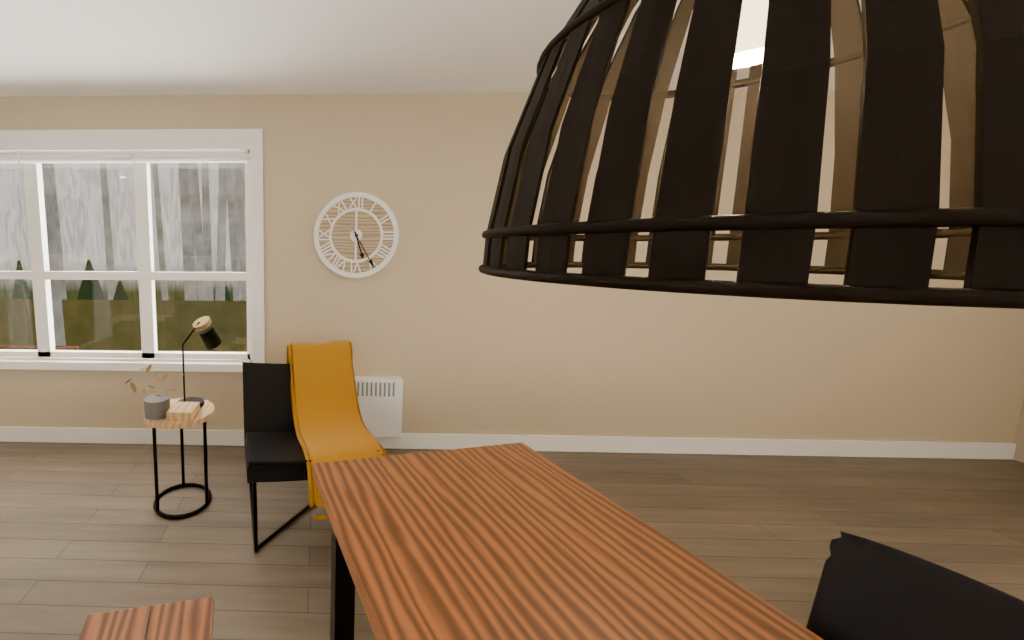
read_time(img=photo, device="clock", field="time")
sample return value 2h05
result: 5h25
